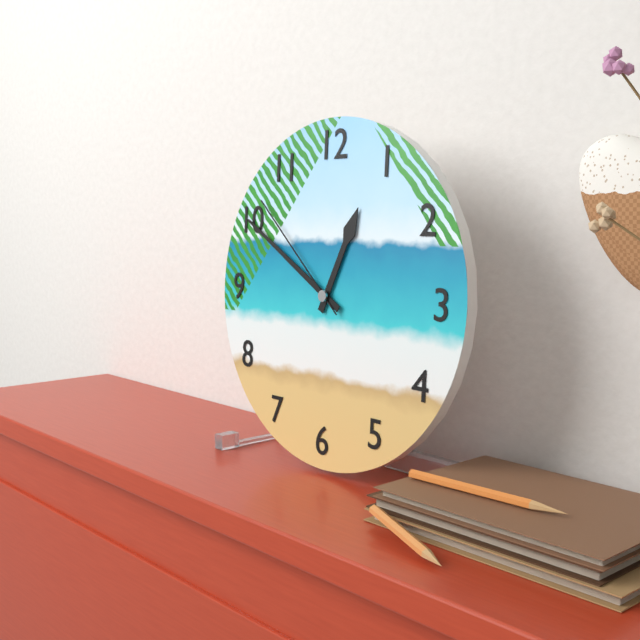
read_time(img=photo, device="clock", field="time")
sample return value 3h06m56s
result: 12h50m52s
